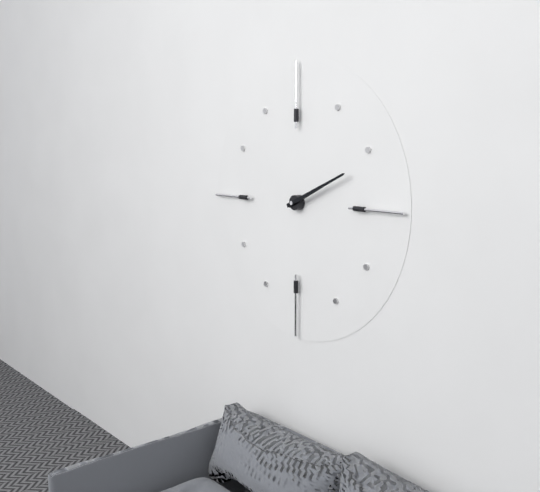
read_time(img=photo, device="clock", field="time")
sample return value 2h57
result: 2h11
